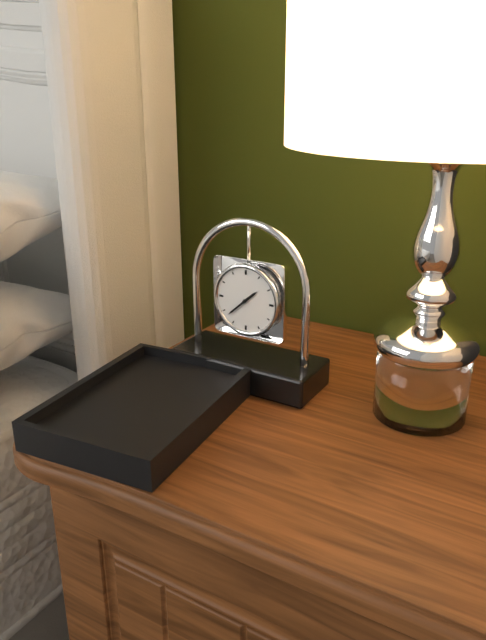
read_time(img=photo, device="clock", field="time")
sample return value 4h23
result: 1h38
